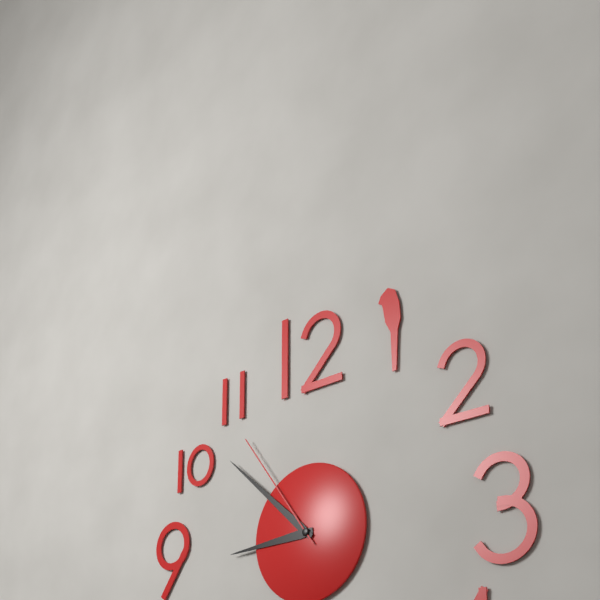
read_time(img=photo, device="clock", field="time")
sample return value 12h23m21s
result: 8h52m54s
